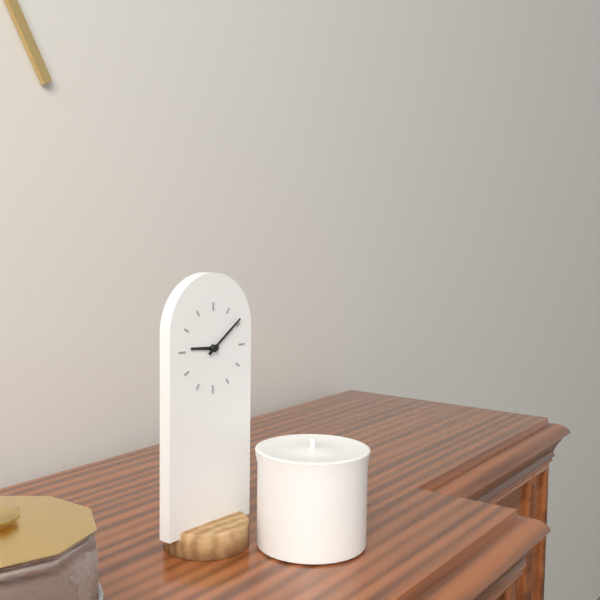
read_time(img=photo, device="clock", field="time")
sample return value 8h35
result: 9h09
